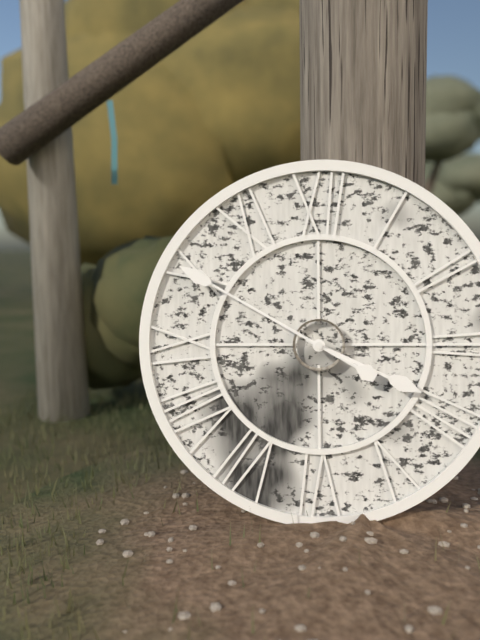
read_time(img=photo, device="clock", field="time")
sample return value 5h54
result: 3h50
